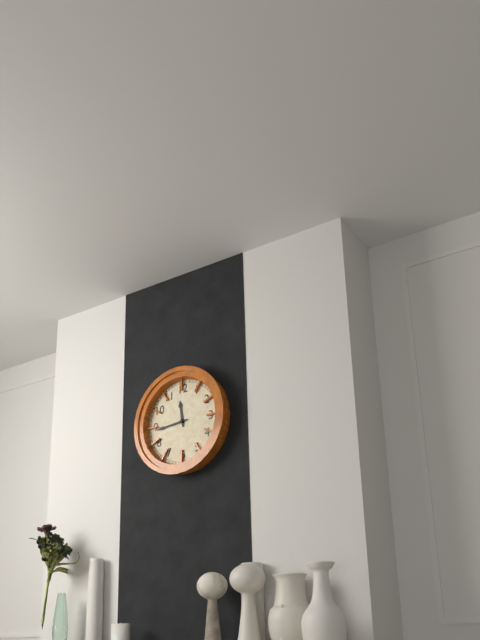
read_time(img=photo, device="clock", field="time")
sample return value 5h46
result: 11h44
